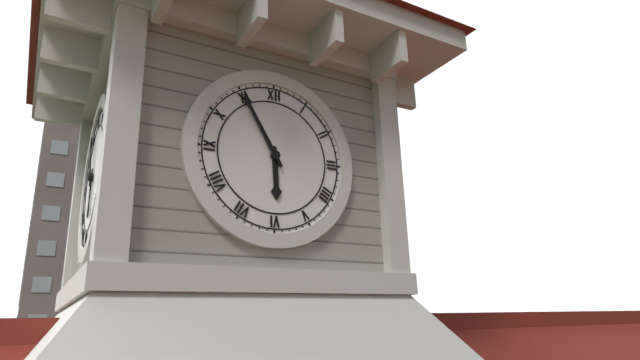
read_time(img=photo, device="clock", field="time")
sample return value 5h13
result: 5h55
